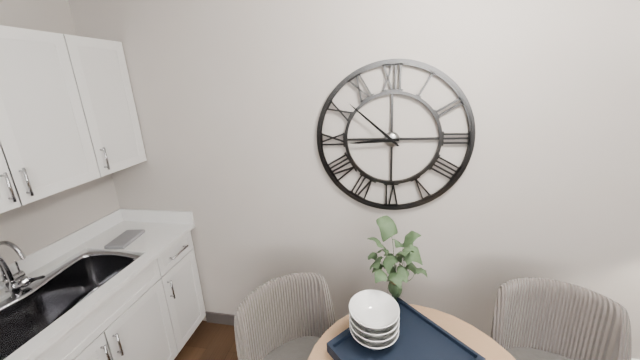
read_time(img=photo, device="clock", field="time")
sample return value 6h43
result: 8h52
